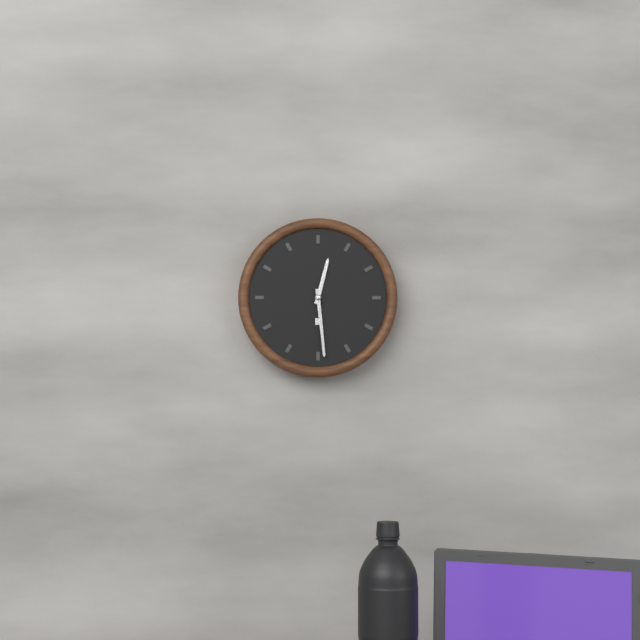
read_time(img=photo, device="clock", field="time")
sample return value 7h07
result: 12h29
